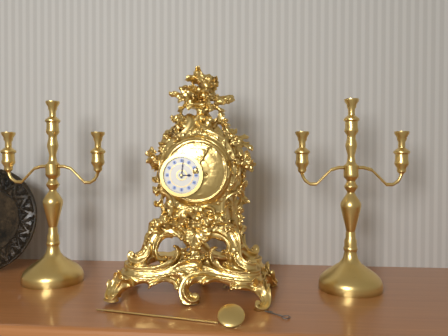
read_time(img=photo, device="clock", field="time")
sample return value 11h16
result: 3h01
